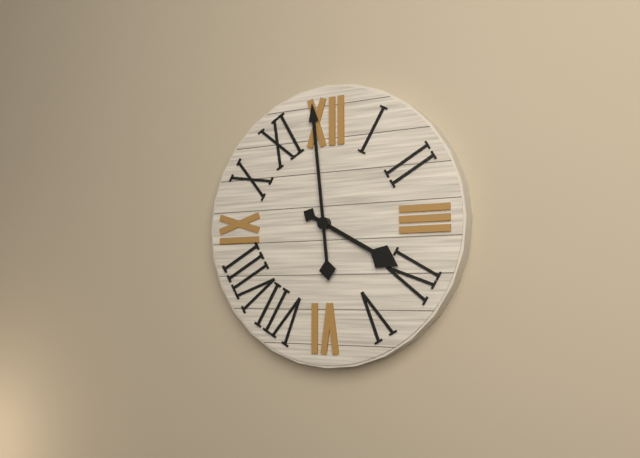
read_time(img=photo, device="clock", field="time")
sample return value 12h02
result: 3h59
